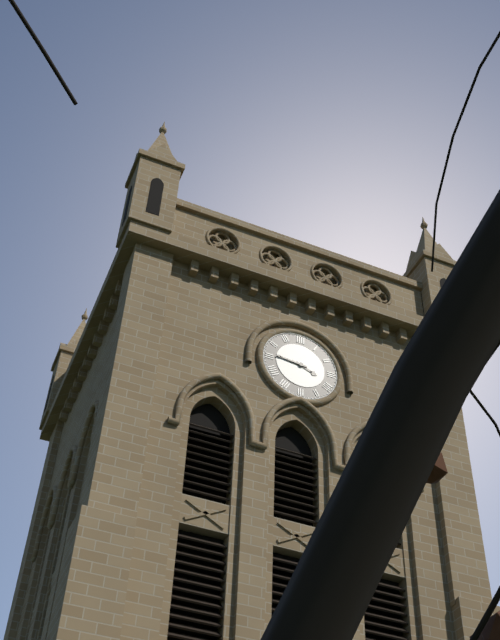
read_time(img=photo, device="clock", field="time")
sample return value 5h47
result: 3h46
